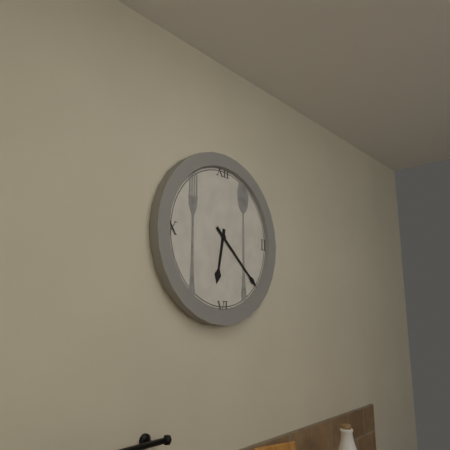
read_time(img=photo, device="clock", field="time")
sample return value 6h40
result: 6h22
